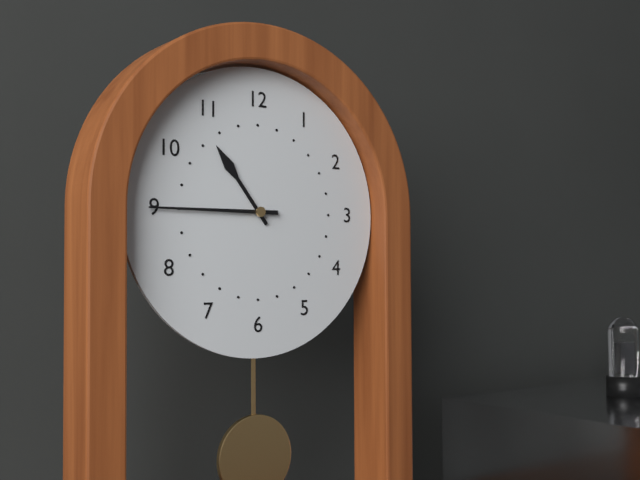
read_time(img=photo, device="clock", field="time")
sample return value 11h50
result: 10h45
